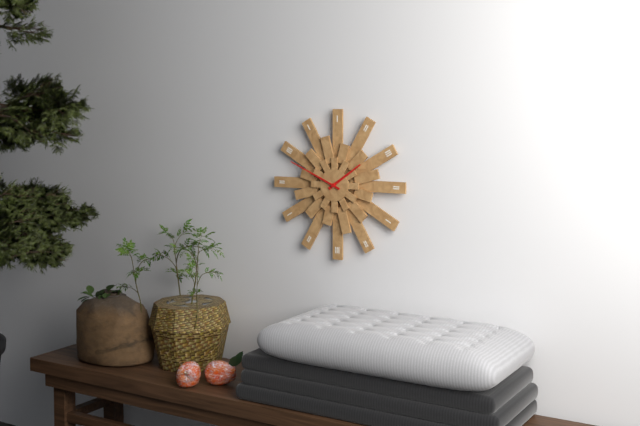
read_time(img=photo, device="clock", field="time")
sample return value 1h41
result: 1h49
